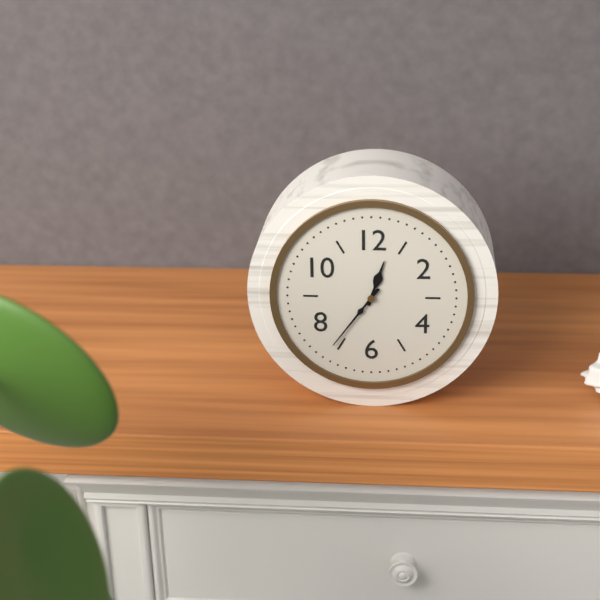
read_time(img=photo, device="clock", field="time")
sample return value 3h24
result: 12h36
